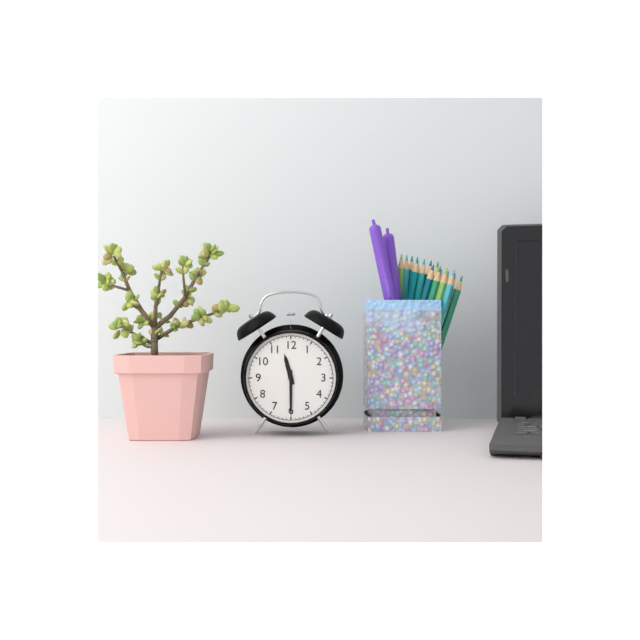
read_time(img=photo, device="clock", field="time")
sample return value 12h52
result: 11h30
